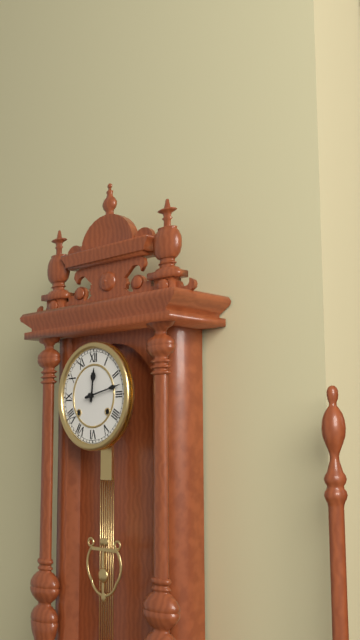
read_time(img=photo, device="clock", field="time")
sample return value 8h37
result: 12h13
